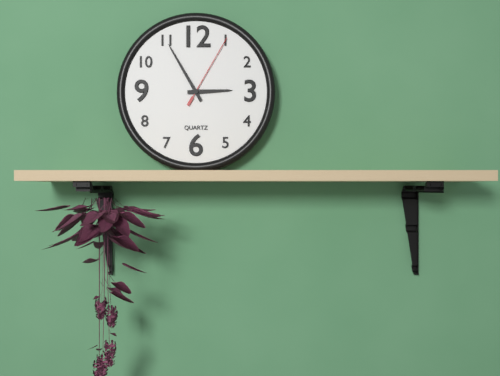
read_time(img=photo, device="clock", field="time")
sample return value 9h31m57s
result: 2h55m05s
